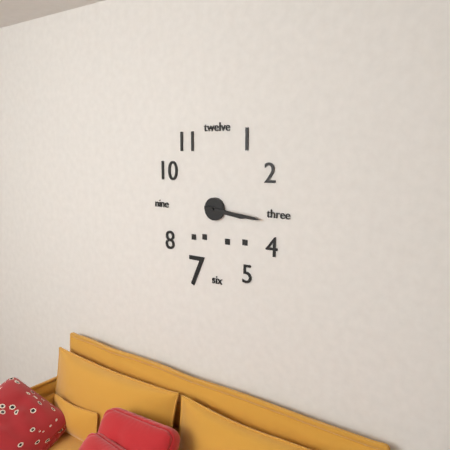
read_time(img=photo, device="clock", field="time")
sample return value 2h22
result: 3h16
